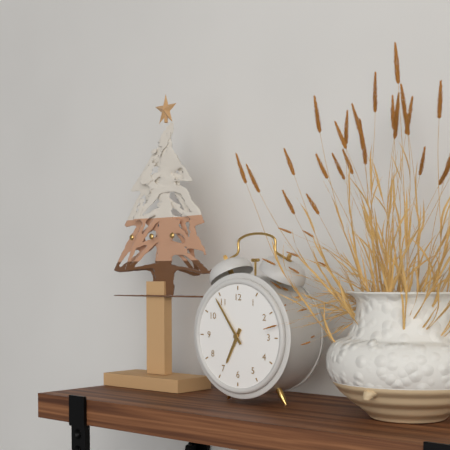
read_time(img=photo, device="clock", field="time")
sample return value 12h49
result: 6h54
